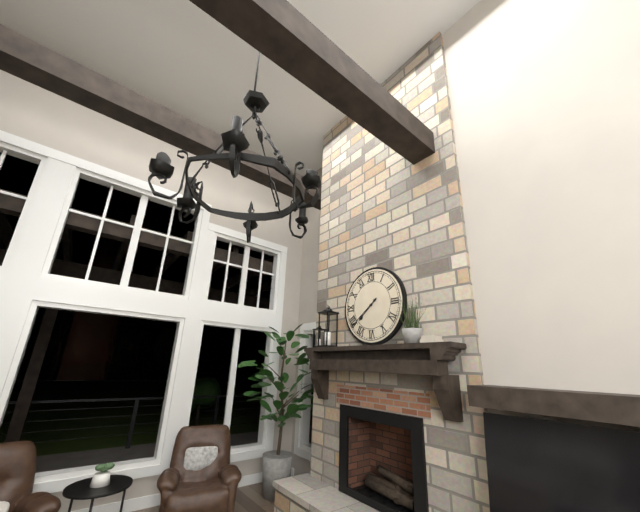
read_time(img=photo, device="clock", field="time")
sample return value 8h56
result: 7h39
